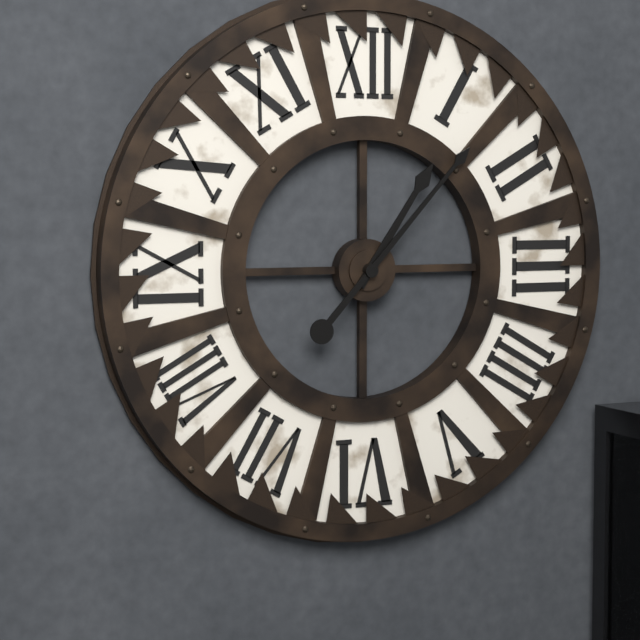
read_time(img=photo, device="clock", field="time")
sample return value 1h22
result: 1h07
